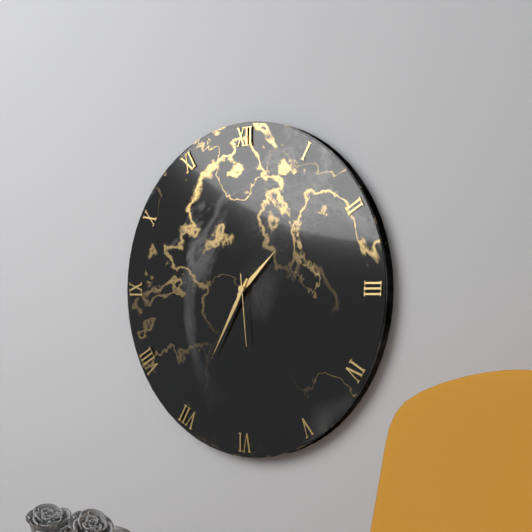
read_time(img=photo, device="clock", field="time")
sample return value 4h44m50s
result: 1h35m29s
